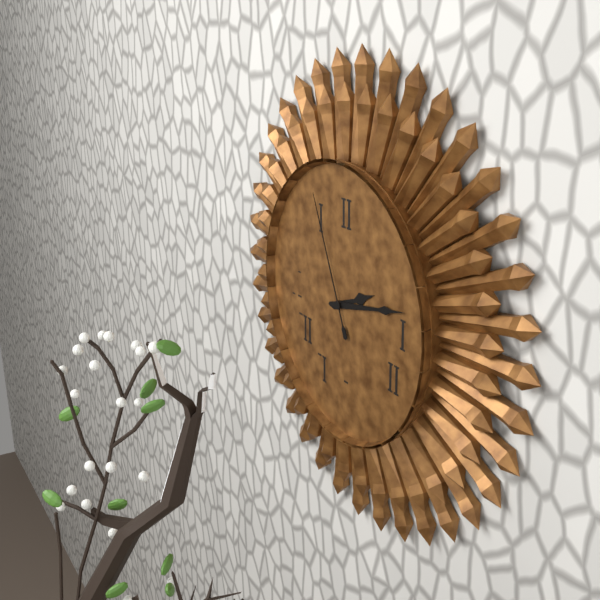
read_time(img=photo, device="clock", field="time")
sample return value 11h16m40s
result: 2h13m56s
